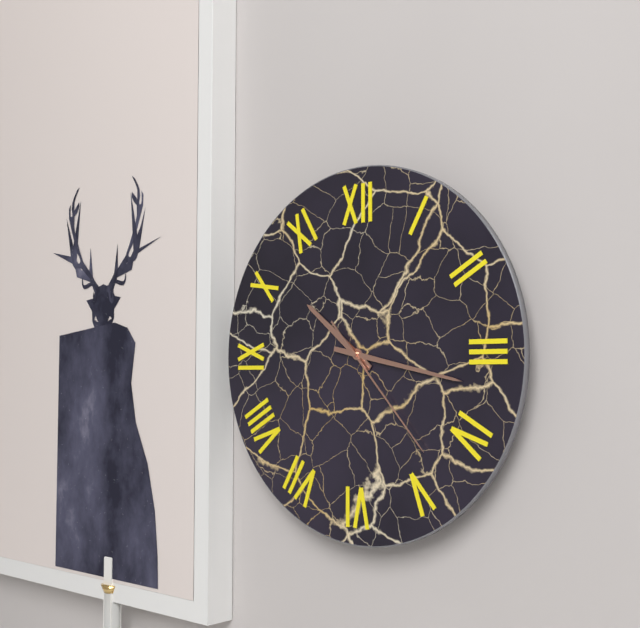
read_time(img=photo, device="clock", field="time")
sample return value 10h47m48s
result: 10h17m23s
